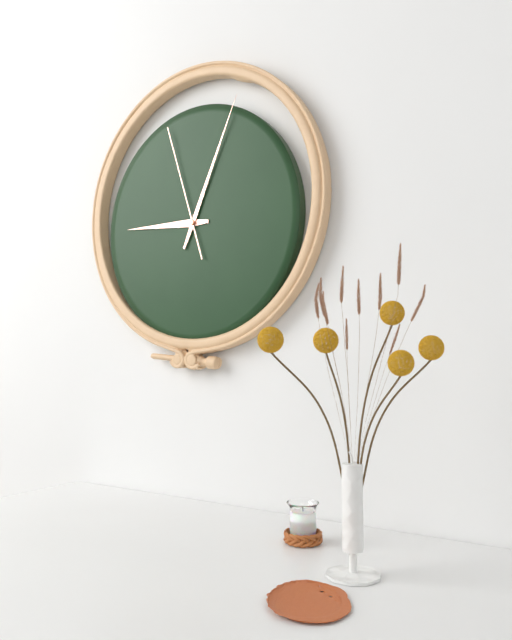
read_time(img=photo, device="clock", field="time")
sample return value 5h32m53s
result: 9h04m57s
